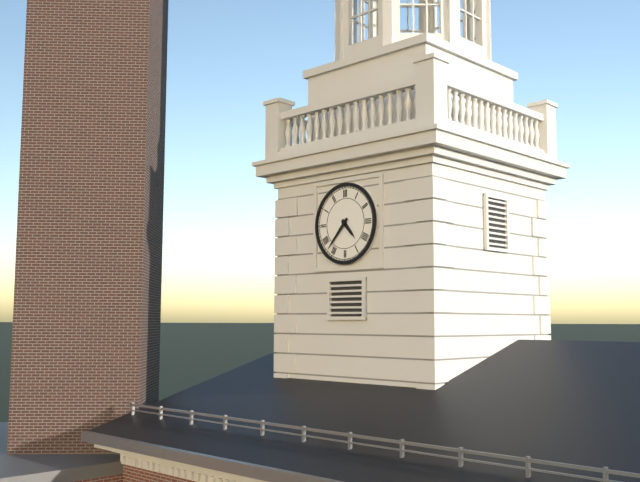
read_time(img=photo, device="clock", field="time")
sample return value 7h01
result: 4h37
